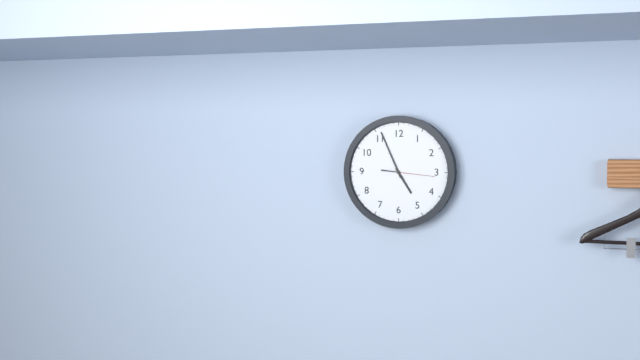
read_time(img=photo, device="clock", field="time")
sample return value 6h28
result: 4h56
